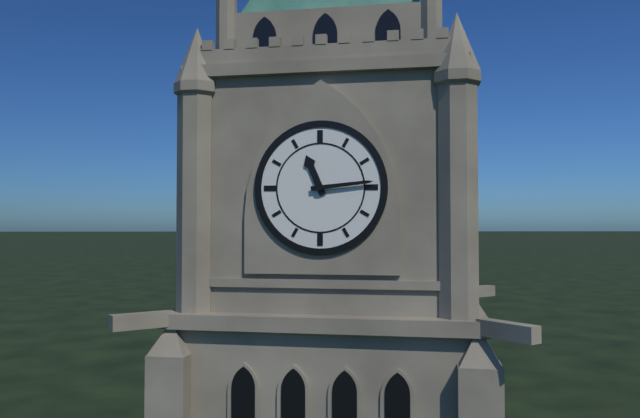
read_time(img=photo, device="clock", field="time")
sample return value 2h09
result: 11h14
